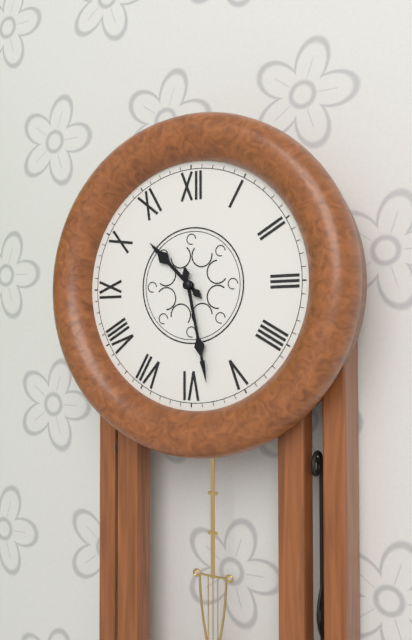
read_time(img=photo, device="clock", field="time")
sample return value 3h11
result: 10h28
